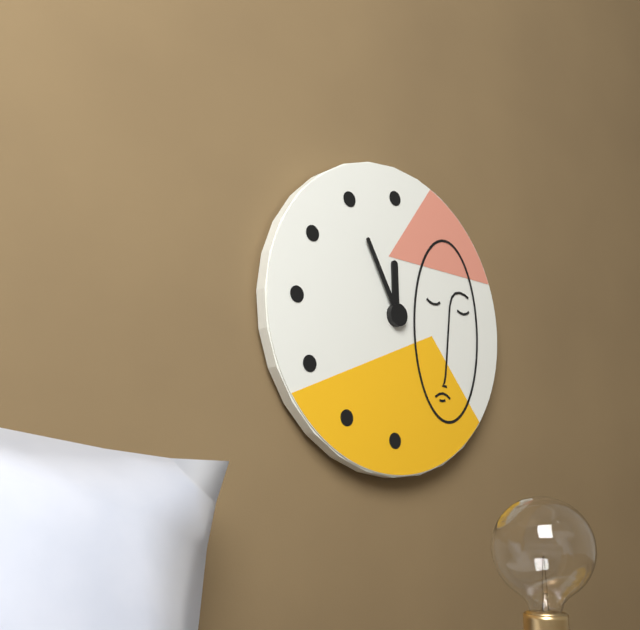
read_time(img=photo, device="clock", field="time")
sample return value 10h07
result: 11h55
